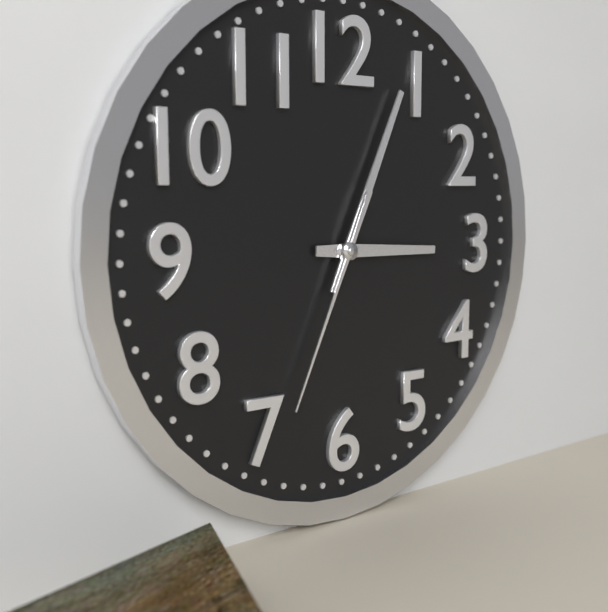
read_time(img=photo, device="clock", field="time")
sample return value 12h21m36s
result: 3h04m34s
